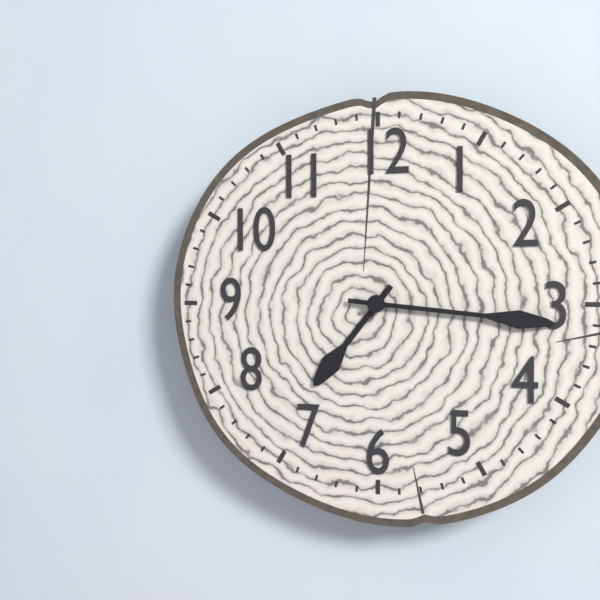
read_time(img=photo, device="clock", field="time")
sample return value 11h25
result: 7h16
